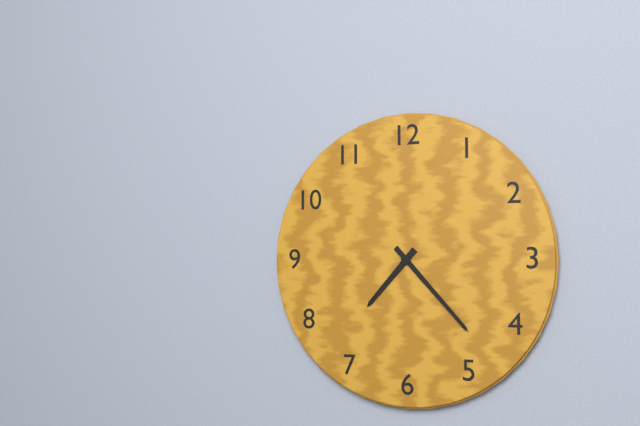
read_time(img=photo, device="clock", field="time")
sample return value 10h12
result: 7h23
